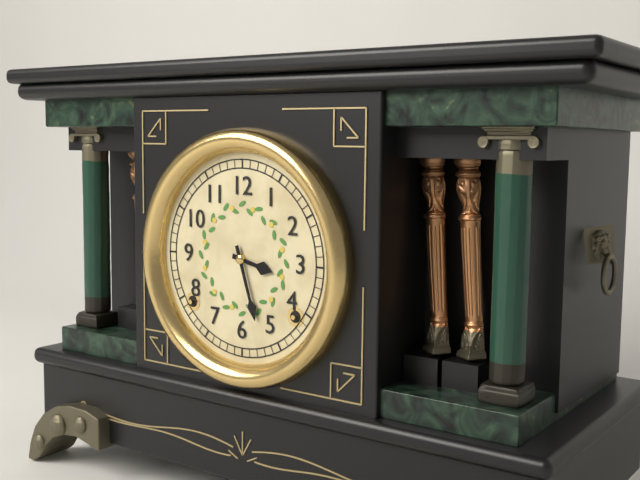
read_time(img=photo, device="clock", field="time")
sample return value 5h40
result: 3h27
